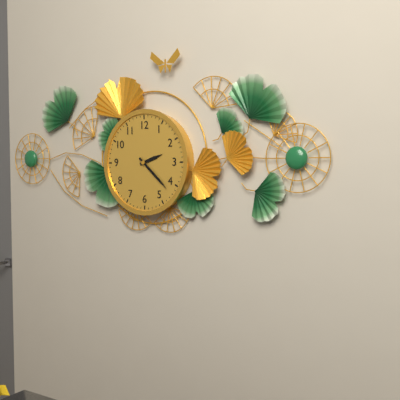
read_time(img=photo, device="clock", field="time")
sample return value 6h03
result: 2h22
